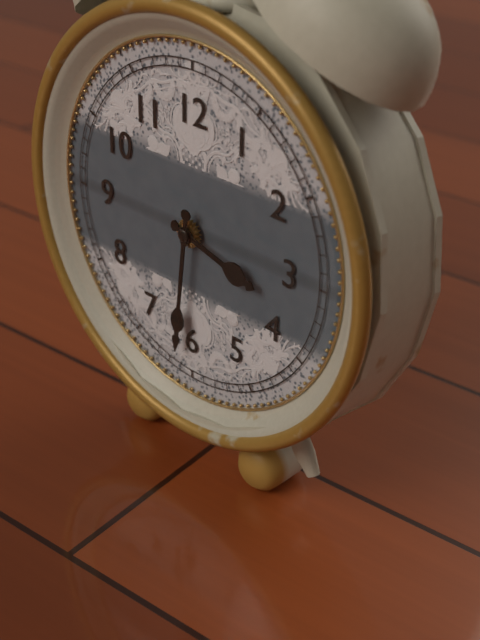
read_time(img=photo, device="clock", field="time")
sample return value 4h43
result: 3h31
